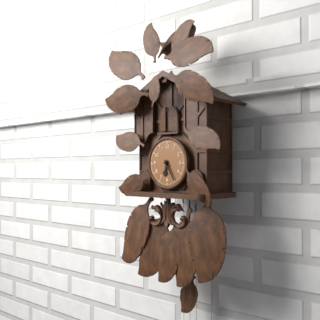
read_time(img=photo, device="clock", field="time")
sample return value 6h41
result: 6h25
